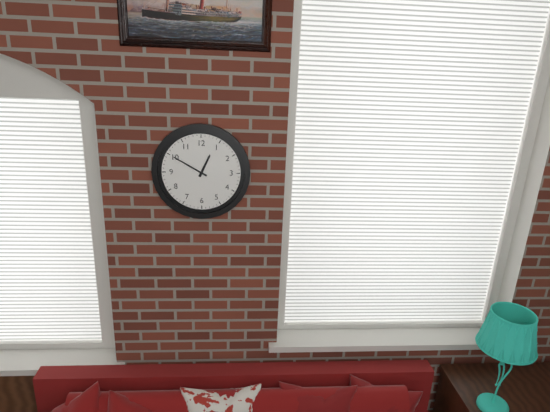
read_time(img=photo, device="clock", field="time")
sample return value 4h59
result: 12h50
